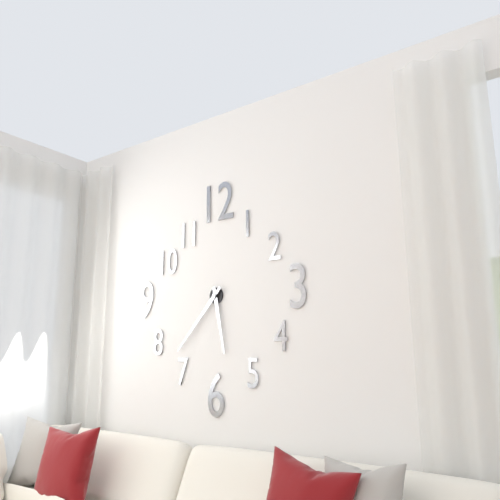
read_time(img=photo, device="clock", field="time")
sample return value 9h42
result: 5h37
